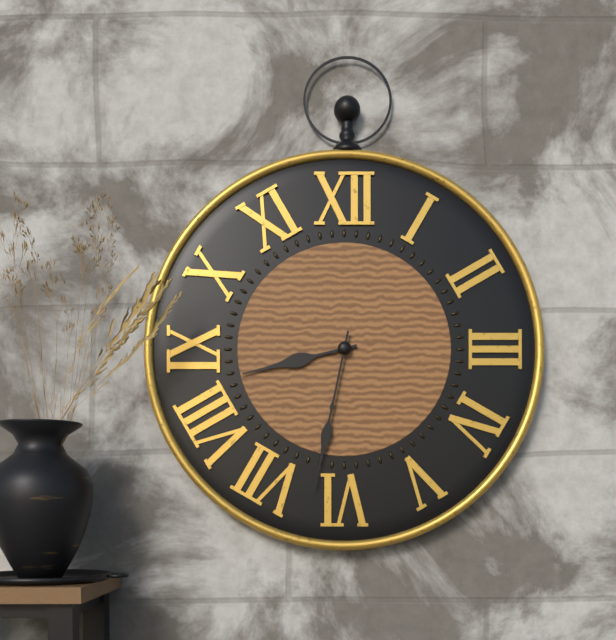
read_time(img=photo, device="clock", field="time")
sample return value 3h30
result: 8h32
